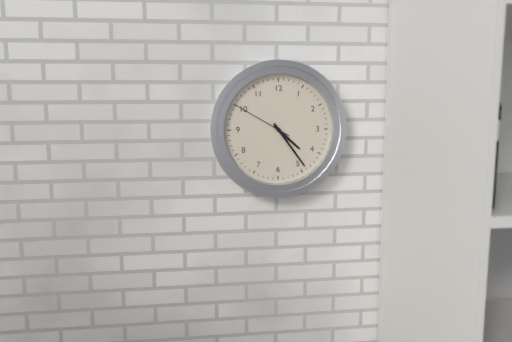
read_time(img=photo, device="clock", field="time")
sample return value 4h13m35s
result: 4h24m50s
